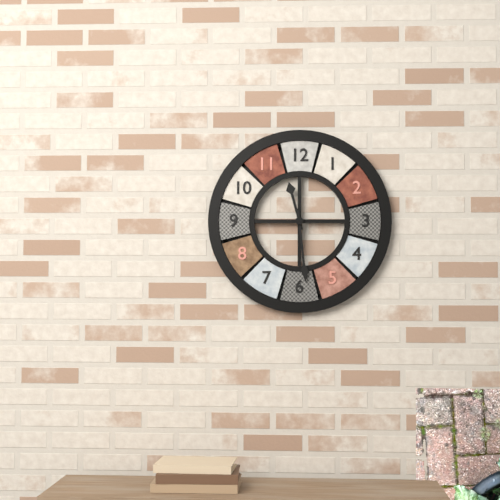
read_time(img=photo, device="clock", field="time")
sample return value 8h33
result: 11h29
